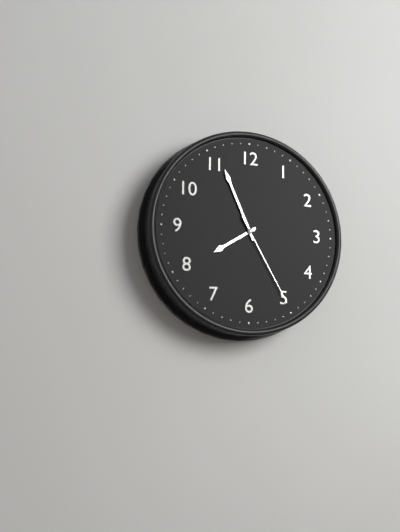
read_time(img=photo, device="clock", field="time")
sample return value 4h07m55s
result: 7h56m25s
